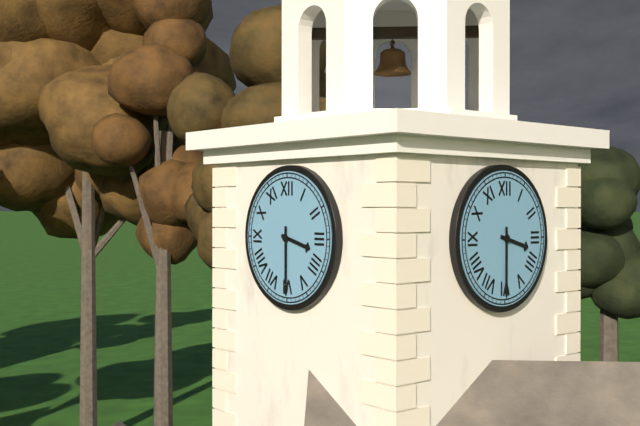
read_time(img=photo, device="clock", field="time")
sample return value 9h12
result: 3h30
